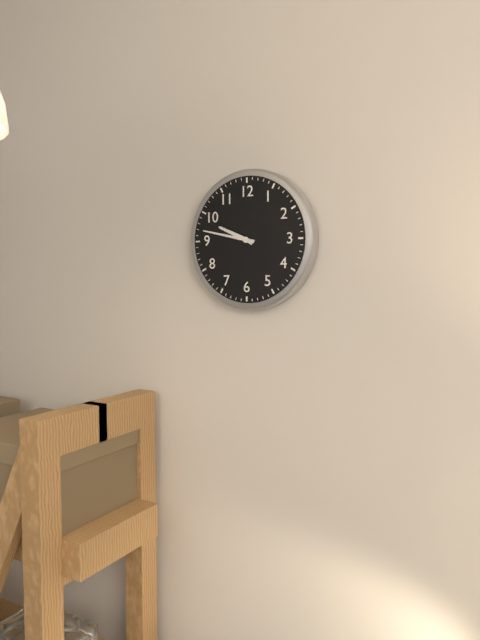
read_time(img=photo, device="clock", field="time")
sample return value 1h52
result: 9h47
